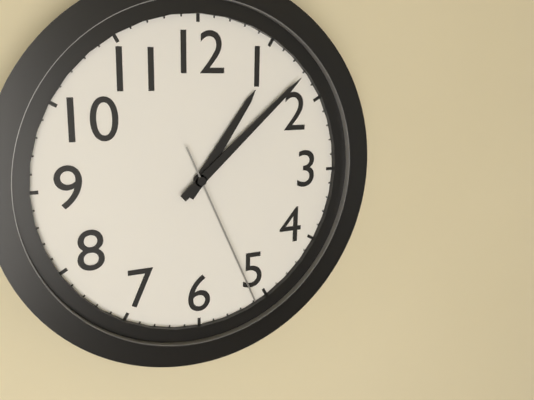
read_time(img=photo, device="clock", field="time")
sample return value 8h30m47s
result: 1h08m26s
